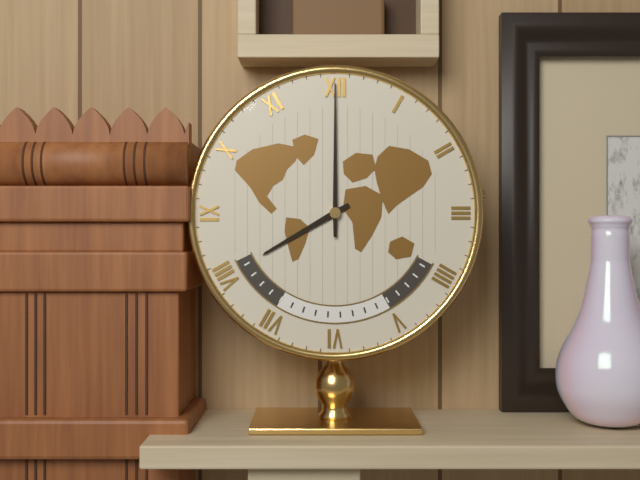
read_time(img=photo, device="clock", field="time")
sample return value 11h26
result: 8h00
